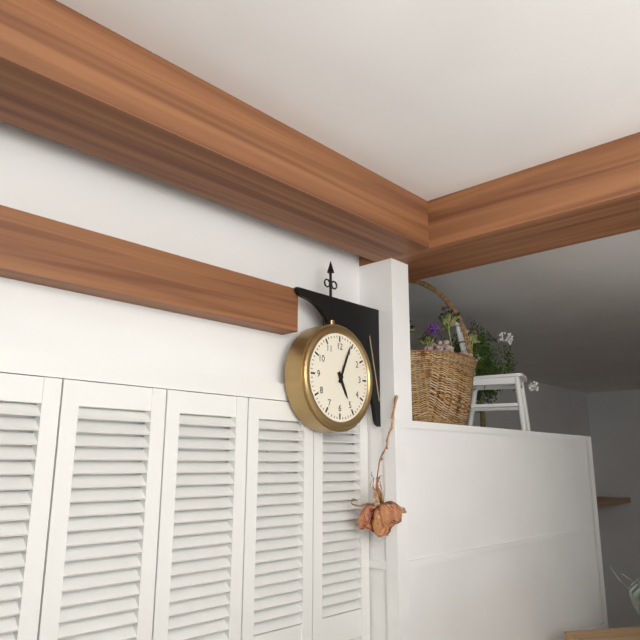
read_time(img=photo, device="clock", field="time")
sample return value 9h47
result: 5h04
